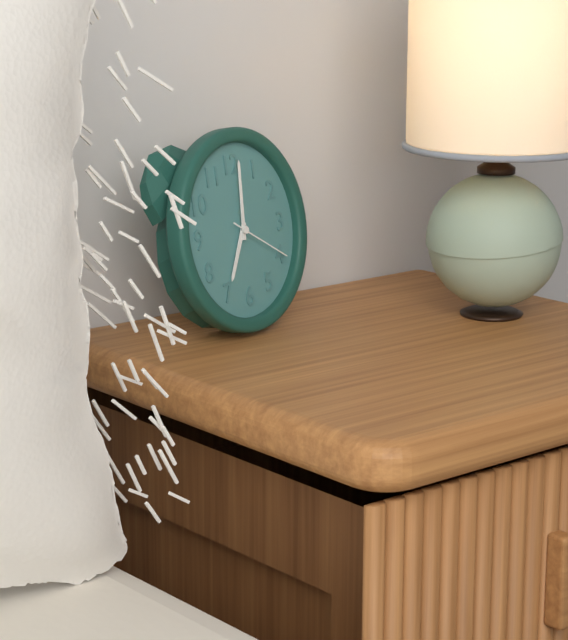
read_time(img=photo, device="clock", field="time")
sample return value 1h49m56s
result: 7h01m20s
